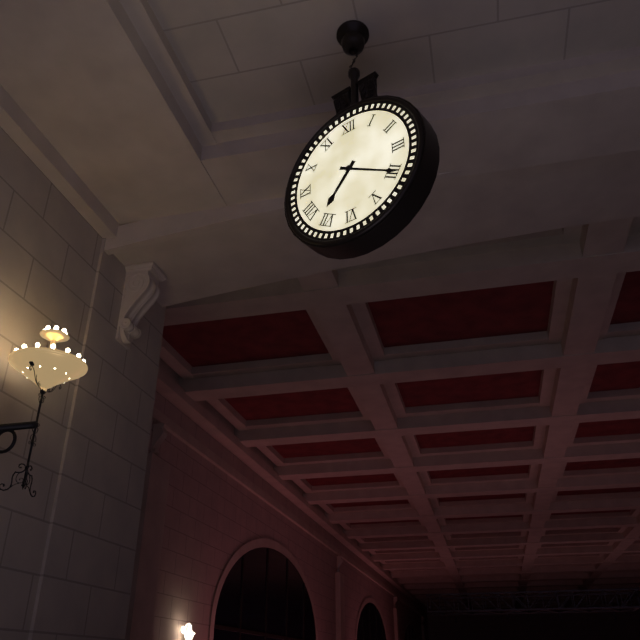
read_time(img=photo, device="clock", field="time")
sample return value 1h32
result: 7h20
